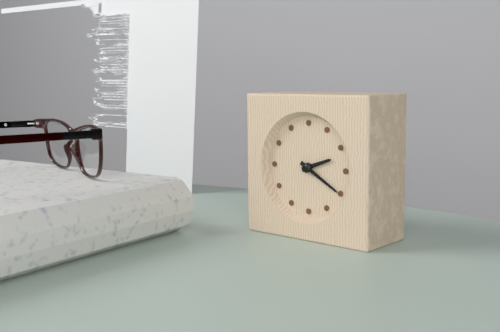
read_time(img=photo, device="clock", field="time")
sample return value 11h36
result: 2h20
